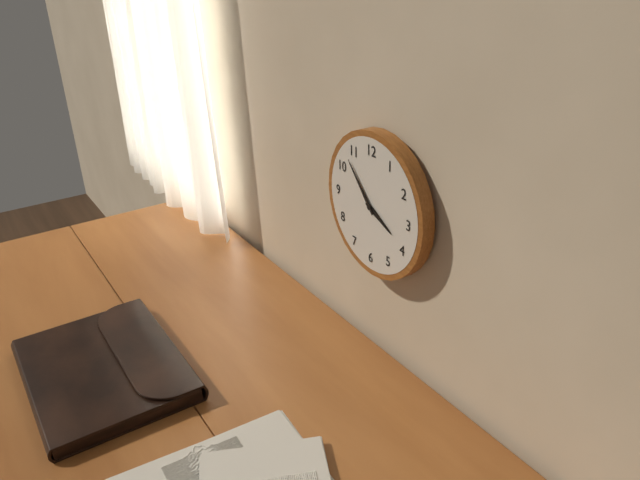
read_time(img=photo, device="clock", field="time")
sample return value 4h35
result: 3h53
